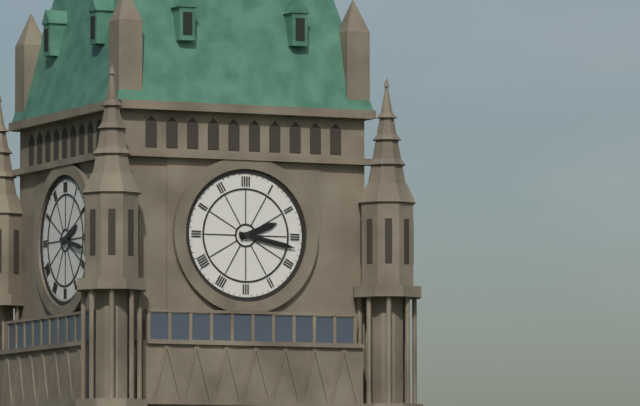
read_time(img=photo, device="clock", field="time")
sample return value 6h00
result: 2h17
